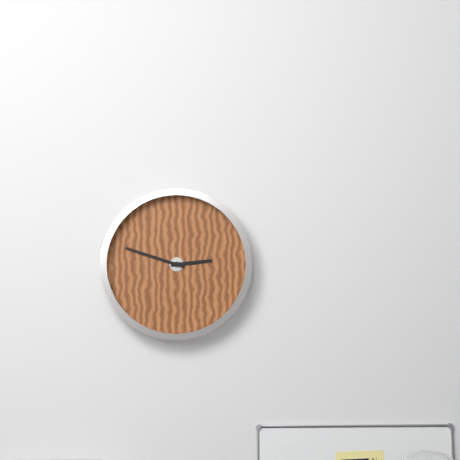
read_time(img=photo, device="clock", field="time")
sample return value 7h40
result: 2h48
